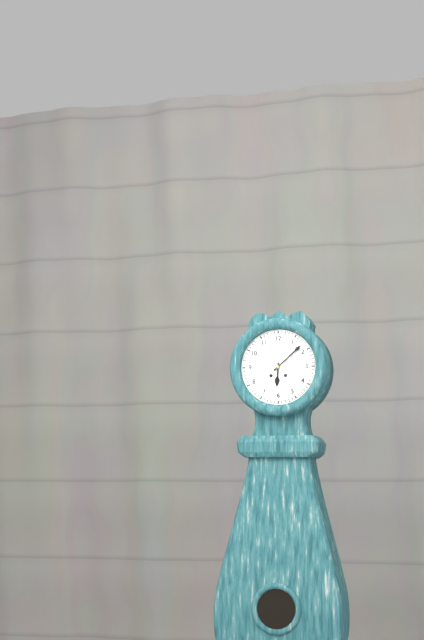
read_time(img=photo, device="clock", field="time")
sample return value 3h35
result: 6h08
